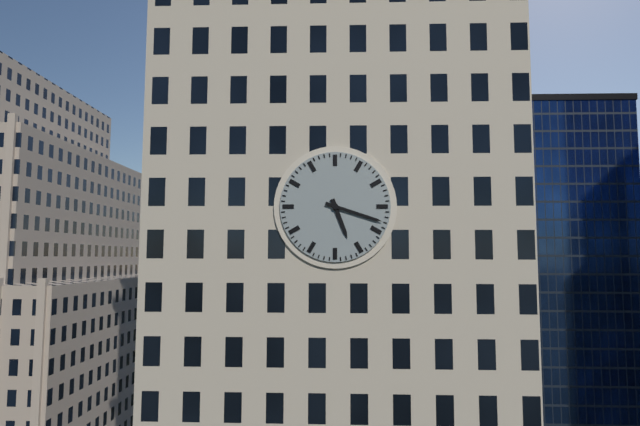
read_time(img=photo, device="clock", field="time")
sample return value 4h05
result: 5h18
